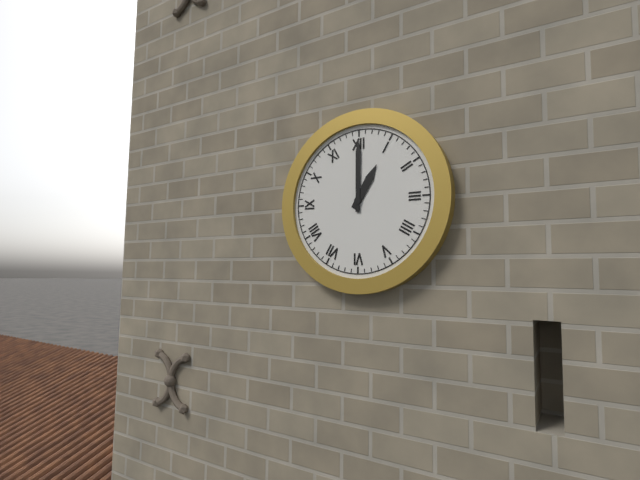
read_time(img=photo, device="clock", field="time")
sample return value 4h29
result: 1h00
